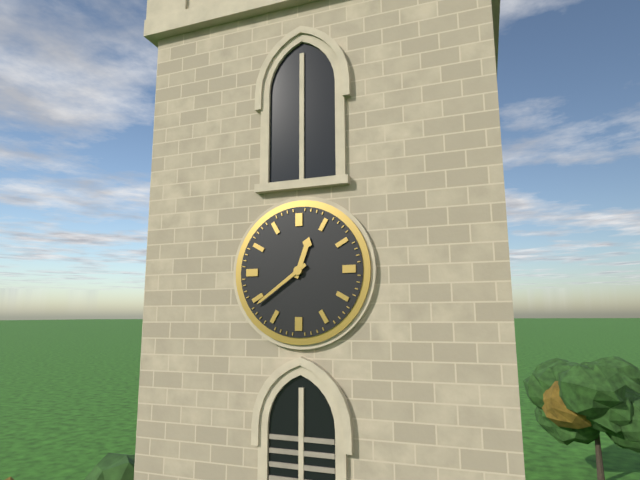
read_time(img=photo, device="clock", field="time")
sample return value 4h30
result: 12h39
